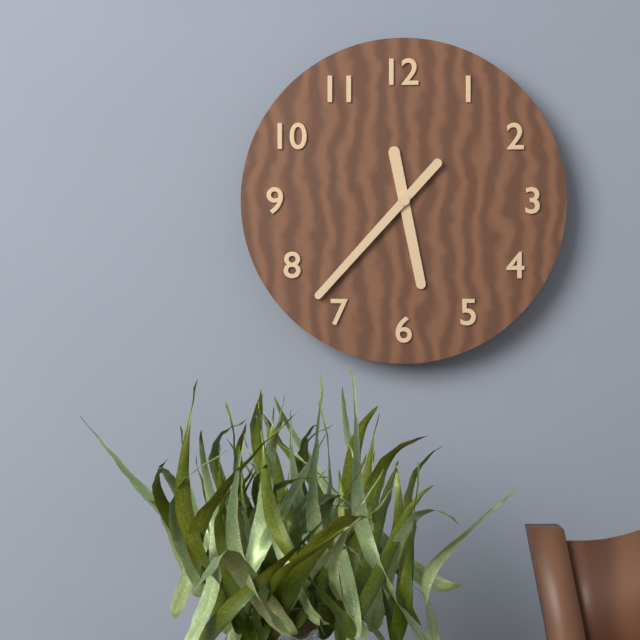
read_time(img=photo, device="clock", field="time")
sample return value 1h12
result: 5h37
